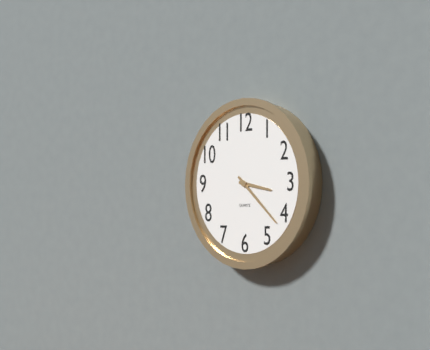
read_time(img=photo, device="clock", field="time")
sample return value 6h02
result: 3h22
